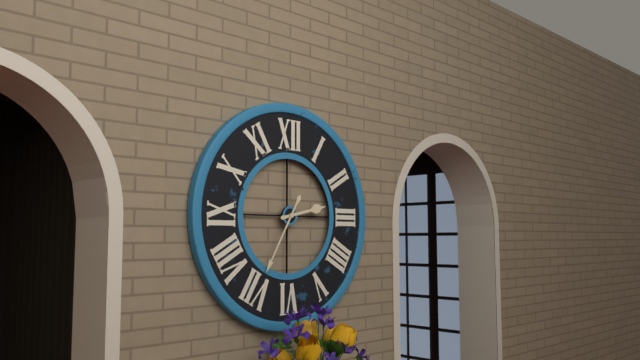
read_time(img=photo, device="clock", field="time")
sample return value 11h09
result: 2h35
